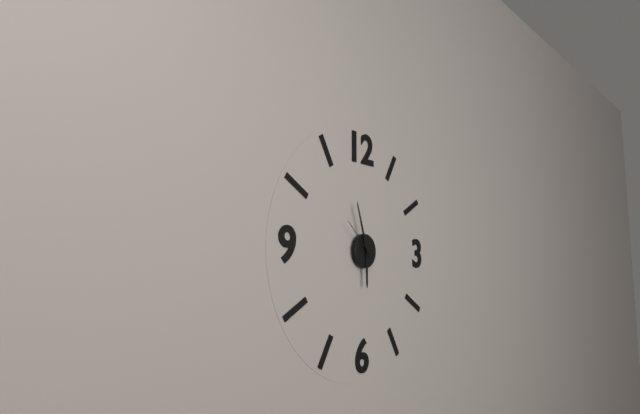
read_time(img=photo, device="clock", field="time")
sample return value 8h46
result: 5h57
